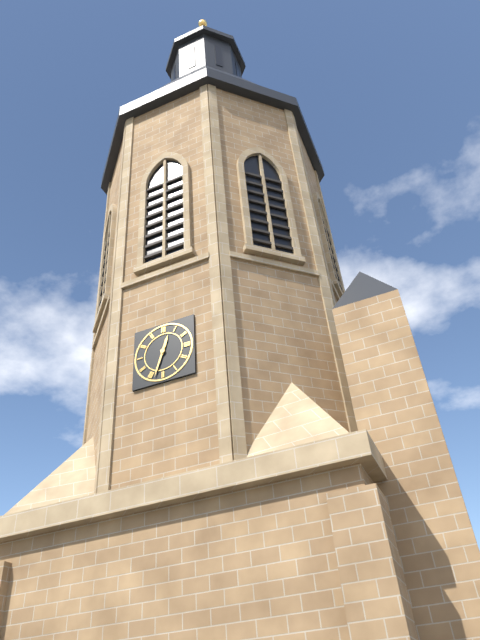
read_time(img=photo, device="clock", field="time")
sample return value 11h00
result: 12h33
